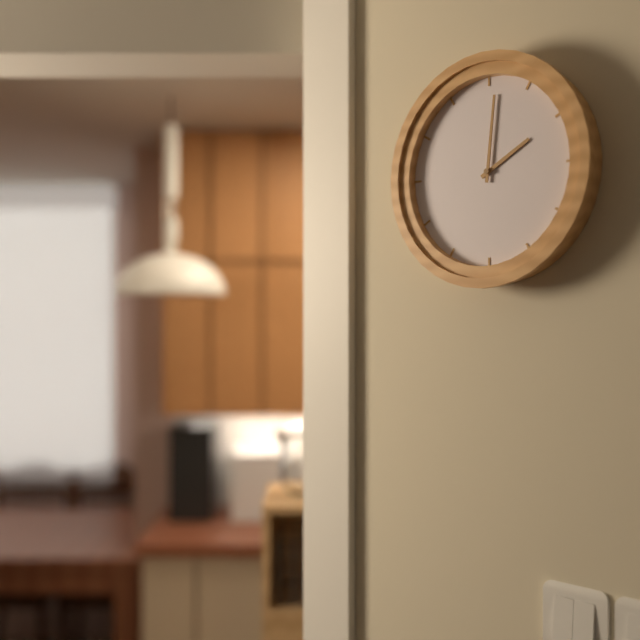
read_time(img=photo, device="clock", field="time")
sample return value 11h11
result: 2h01
